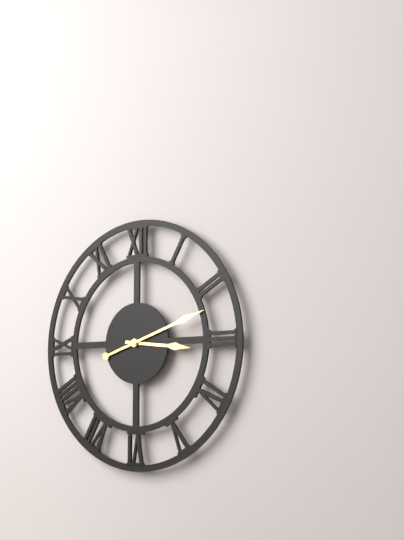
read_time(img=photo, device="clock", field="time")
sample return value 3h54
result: 3h12
